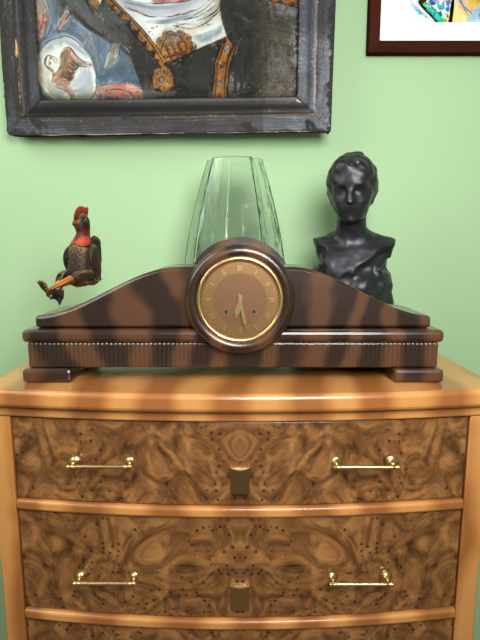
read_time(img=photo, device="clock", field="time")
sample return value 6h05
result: 6h28
